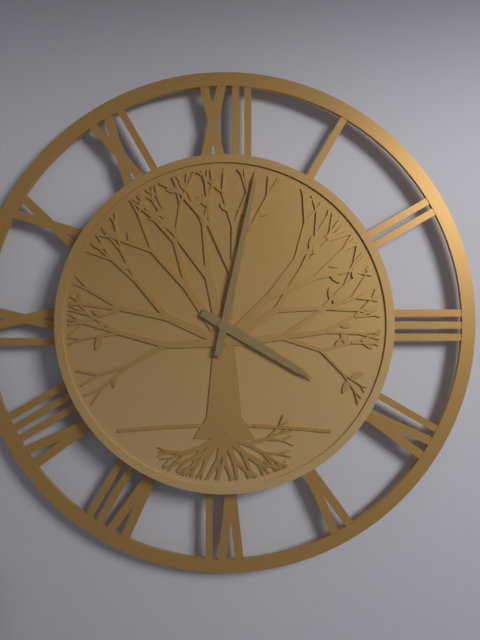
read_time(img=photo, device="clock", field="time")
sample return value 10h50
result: 4h02
